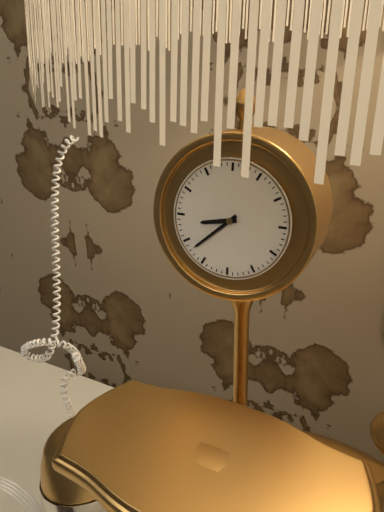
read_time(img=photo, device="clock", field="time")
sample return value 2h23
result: 8h38
